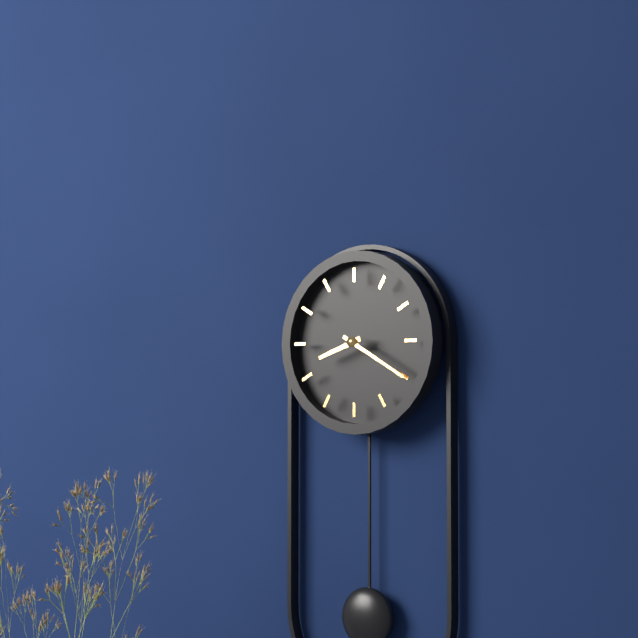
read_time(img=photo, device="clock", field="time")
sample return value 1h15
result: 8h20
